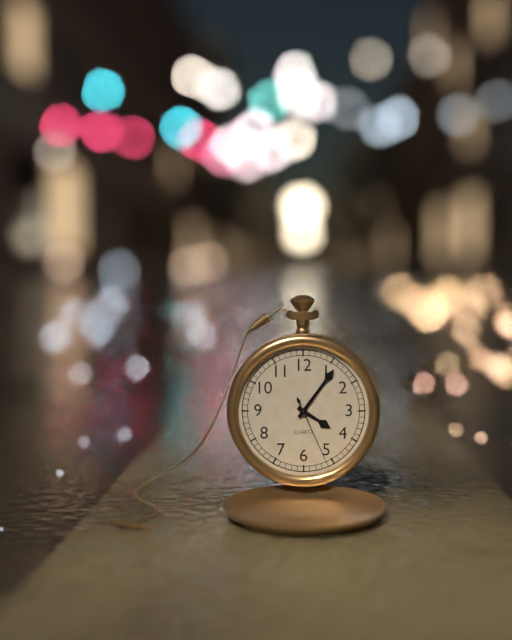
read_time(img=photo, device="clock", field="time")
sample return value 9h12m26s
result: 4h06m26s
